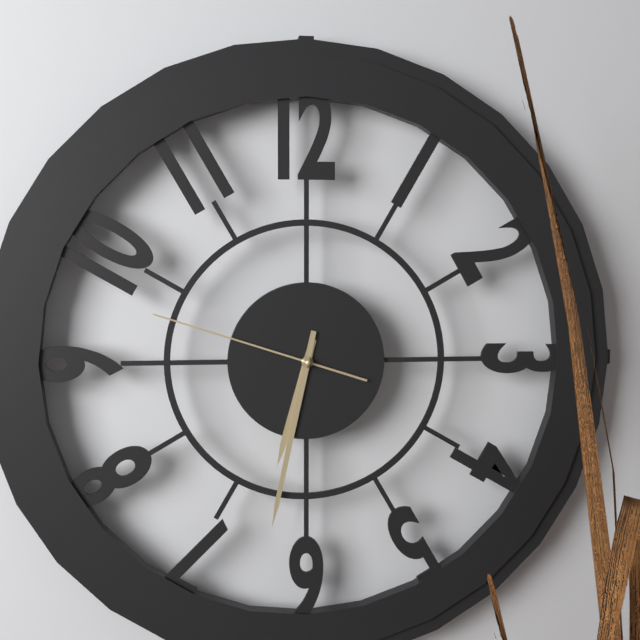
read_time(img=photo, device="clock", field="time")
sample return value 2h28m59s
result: 6h32m48s
